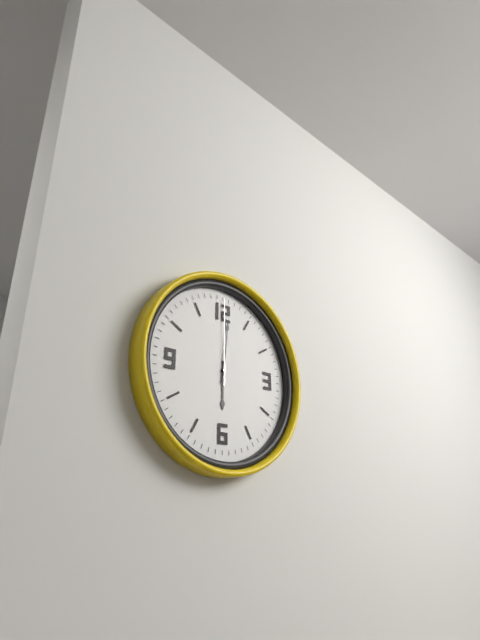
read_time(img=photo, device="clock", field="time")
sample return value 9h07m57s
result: 6h01m00s
